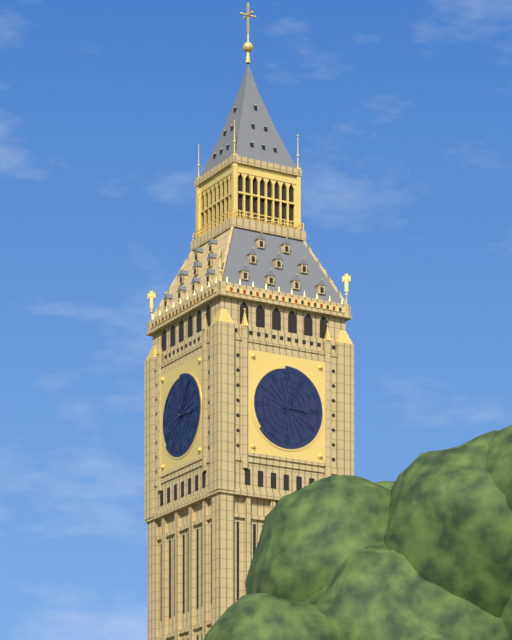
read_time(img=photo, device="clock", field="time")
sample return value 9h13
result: 3h05
